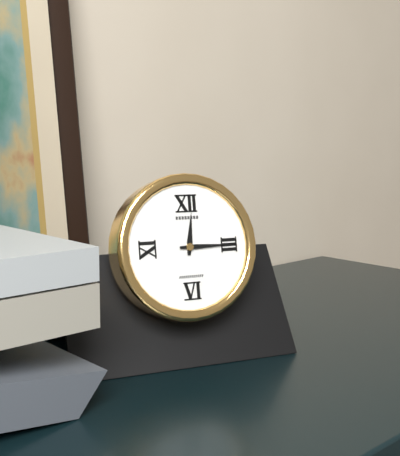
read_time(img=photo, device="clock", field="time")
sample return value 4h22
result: 12h15
